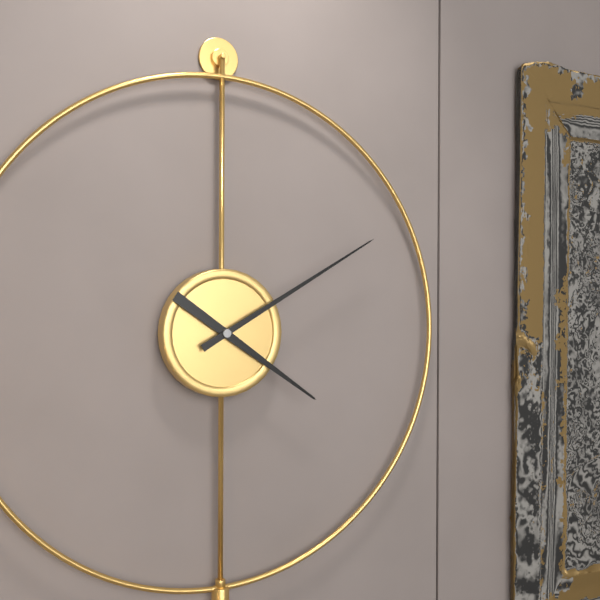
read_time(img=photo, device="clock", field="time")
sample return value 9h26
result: 4h10
